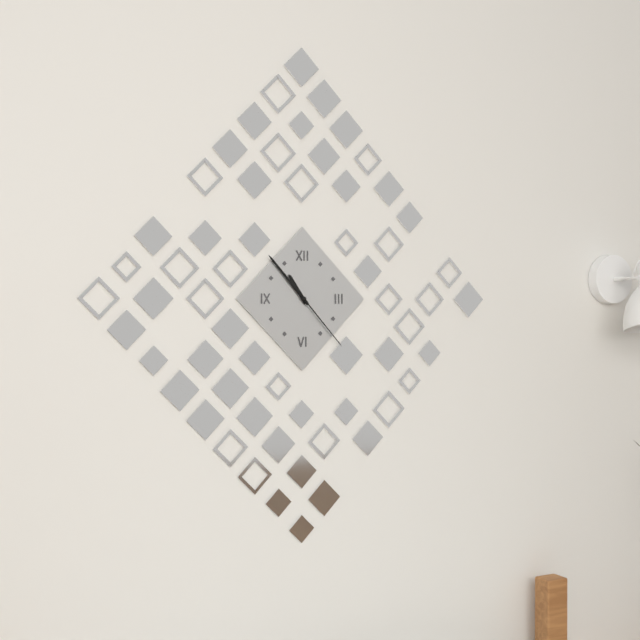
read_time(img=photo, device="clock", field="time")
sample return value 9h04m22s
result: 10h53m23s
